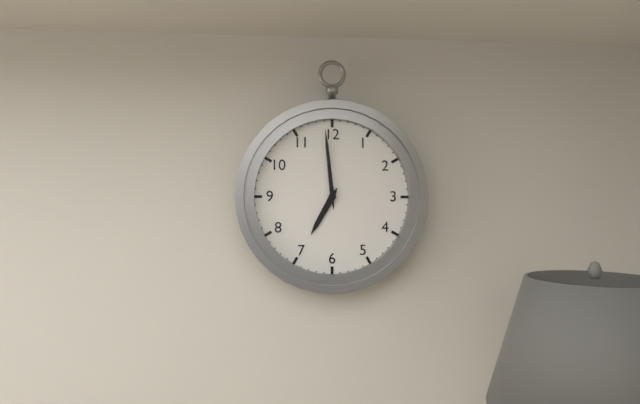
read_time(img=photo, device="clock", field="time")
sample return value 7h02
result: 6h59
